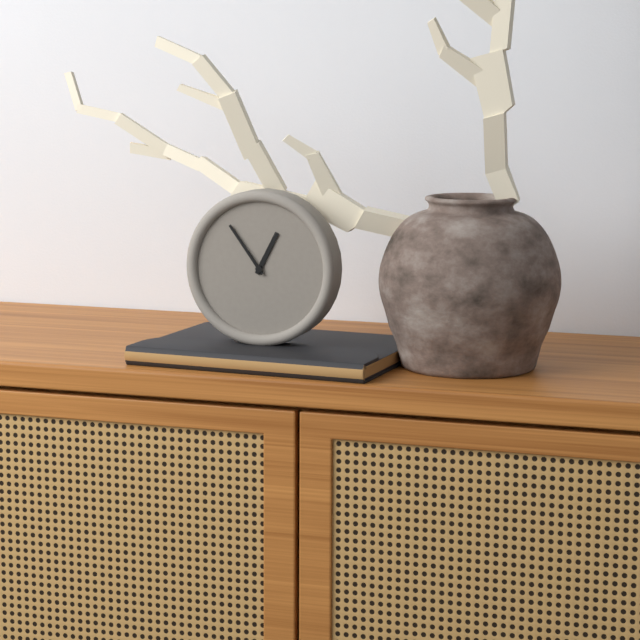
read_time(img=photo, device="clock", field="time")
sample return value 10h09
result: 12h54
